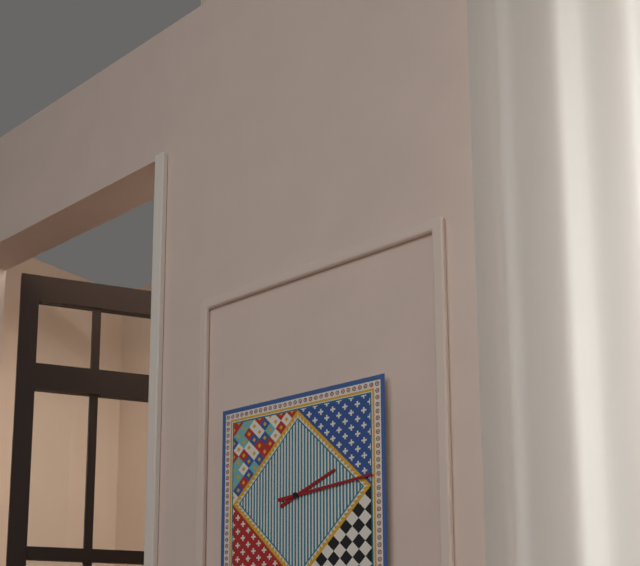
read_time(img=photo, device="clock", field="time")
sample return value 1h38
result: 2h14
